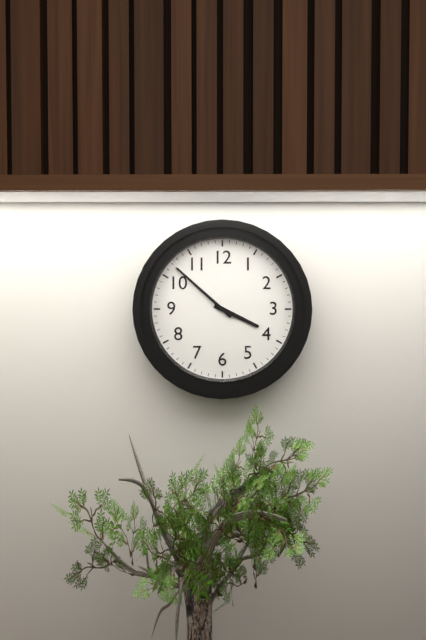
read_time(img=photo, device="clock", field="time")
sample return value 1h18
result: 3h52
